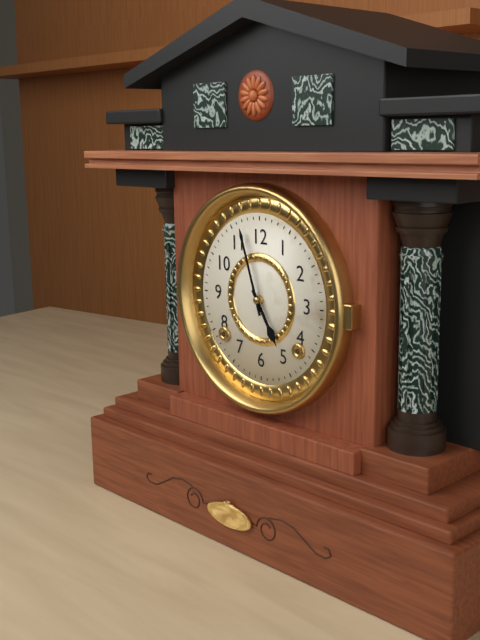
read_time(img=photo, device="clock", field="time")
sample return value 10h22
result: 4h57
